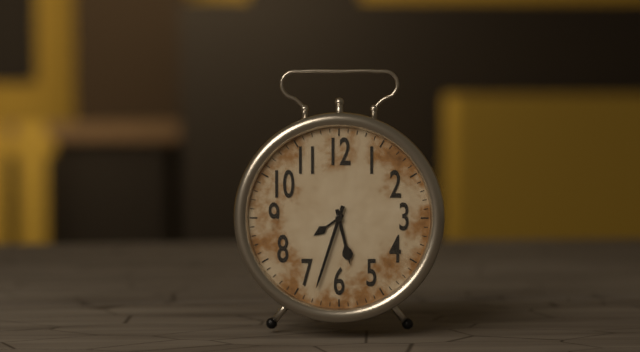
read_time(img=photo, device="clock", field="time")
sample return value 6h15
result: 5h33
